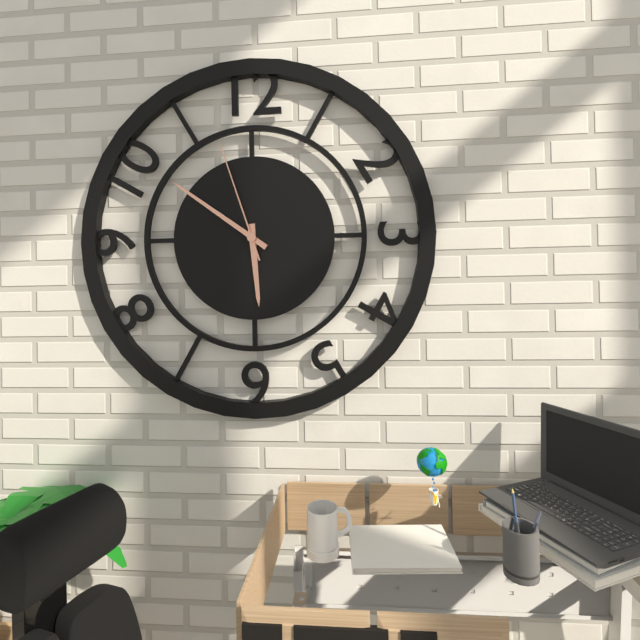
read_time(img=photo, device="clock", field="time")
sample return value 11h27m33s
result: 5h51m57s
